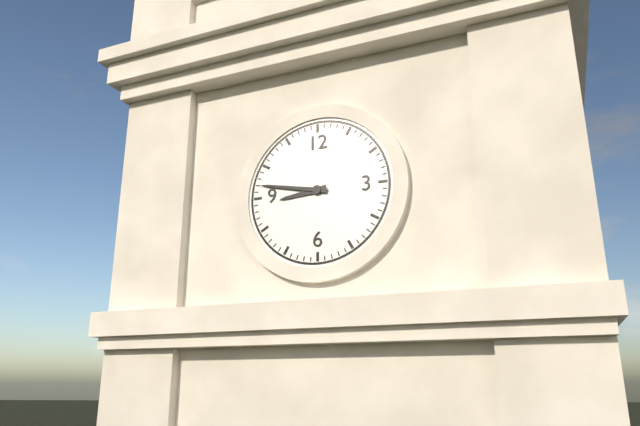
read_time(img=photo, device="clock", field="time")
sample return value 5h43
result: 8h47
